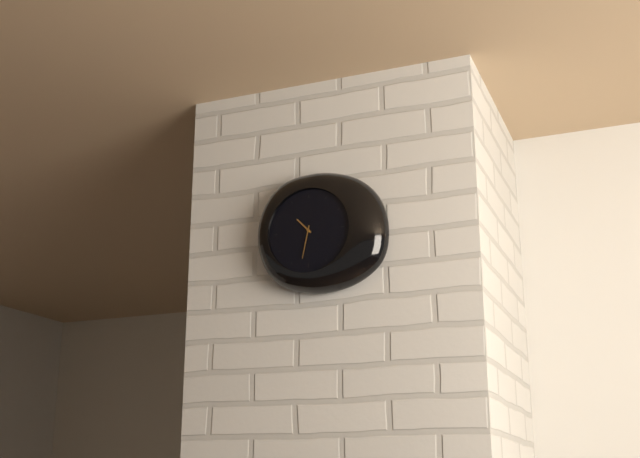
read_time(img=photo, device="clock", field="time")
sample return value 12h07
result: 10h32
